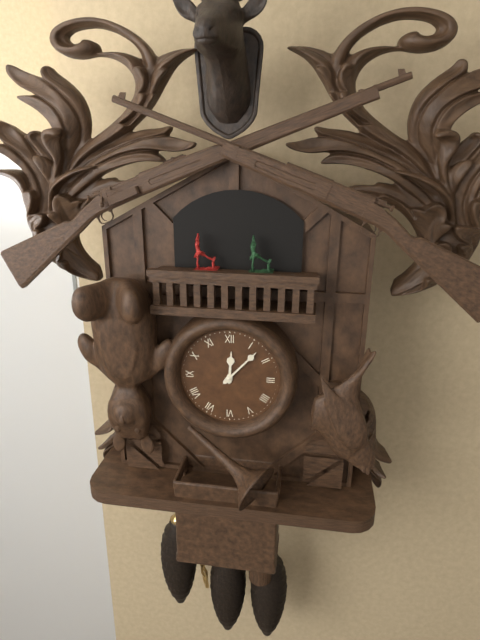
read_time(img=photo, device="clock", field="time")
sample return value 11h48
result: 12h07
